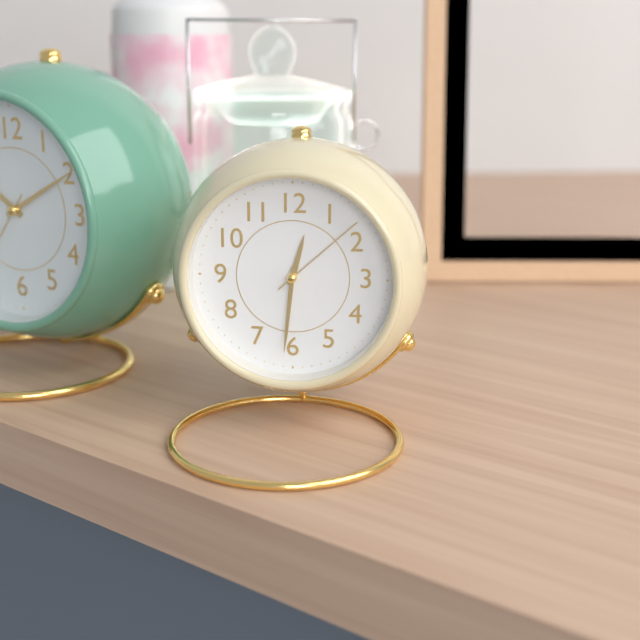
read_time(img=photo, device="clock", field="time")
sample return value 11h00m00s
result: 12h31m08s
